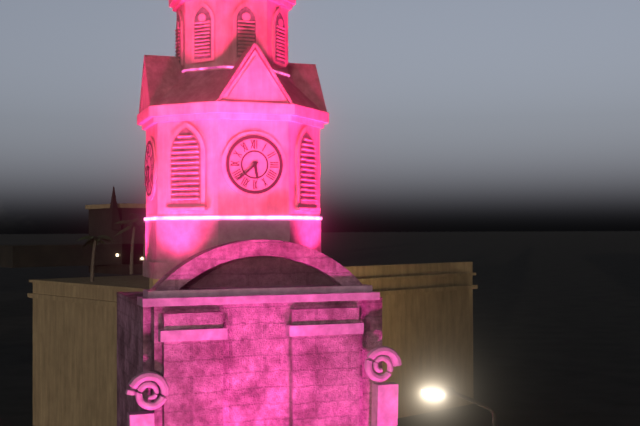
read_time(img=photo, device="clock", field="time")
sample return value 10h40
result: 5h38
